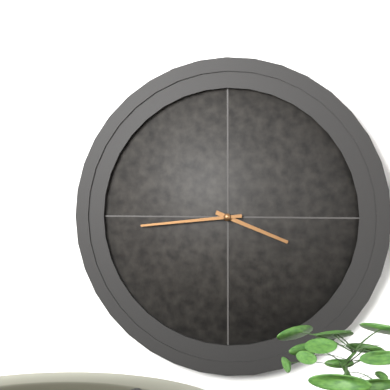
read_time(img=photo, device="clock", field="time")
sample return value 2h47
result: 3h44
